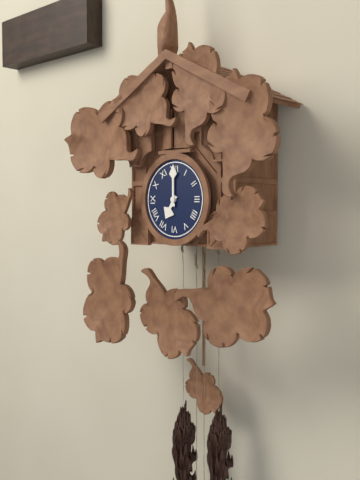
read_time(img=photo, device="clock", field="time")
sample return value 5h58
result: 7h00
